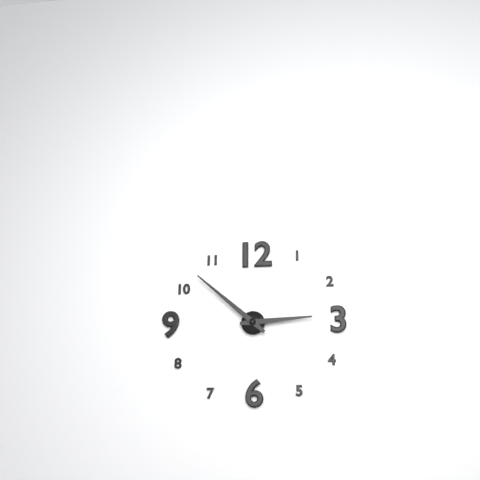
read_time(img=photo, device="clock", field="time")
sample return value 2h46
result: 2h52
